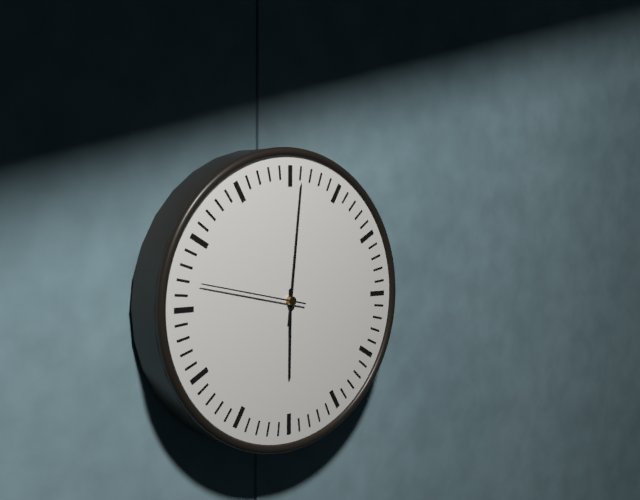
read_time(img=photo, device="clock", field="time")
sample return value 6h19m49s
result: 6h01m47s
